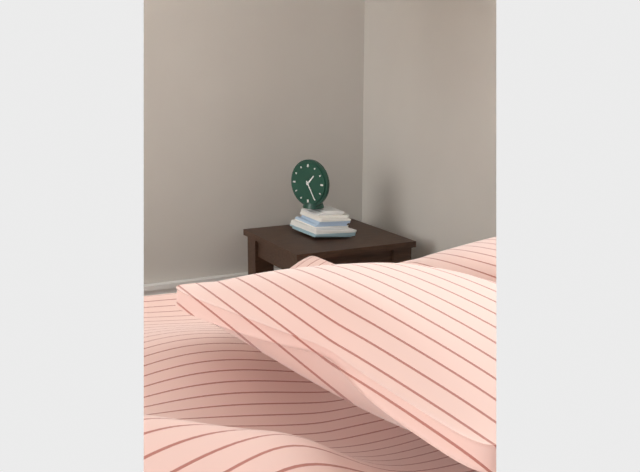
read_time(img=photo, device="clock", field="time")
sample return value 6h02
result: 1h25
